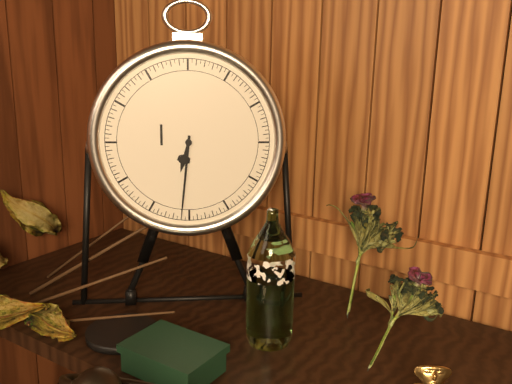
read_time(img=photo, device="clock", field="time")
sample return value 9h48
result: 6h31
